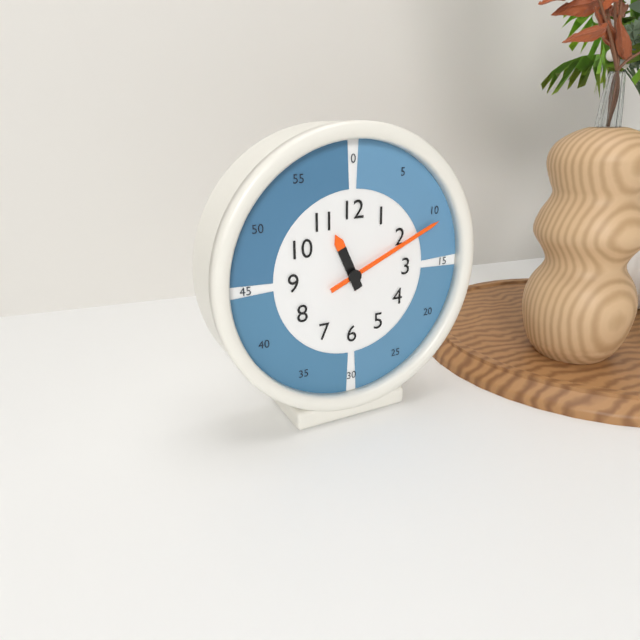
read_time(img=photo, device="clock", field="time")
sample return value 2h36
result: 11h11
